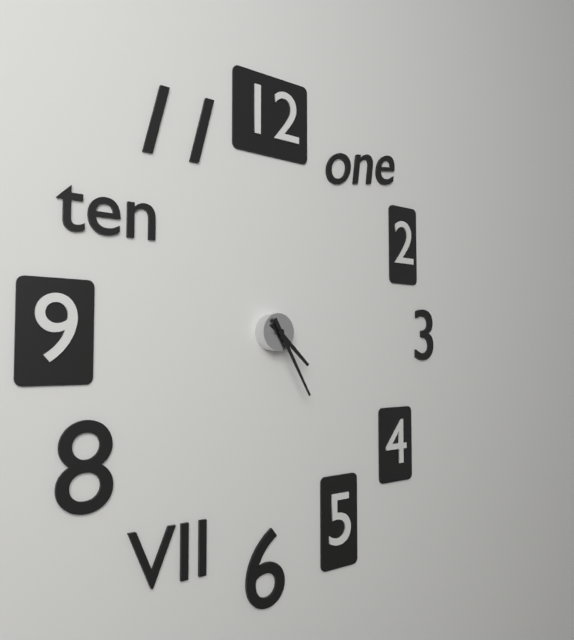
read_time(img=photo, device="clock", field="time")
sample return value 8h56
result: 4h25
